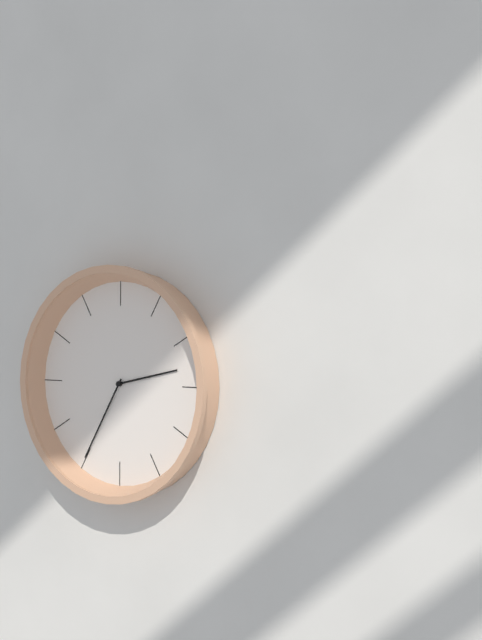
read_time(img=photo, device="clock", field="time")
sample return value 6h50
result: 2h35
